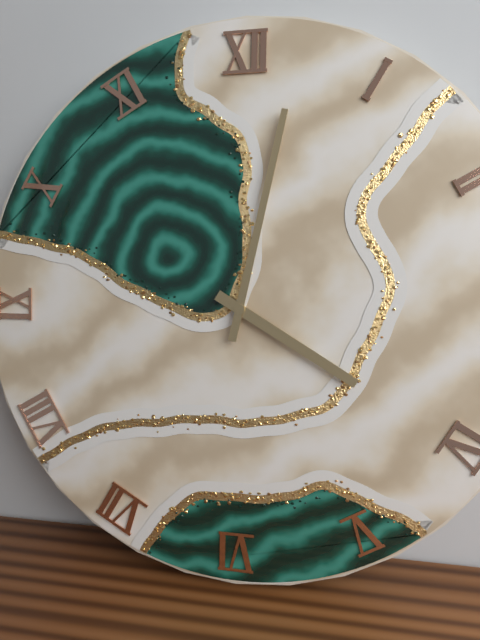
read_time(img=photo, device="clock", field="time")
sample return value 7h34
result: 4h02
